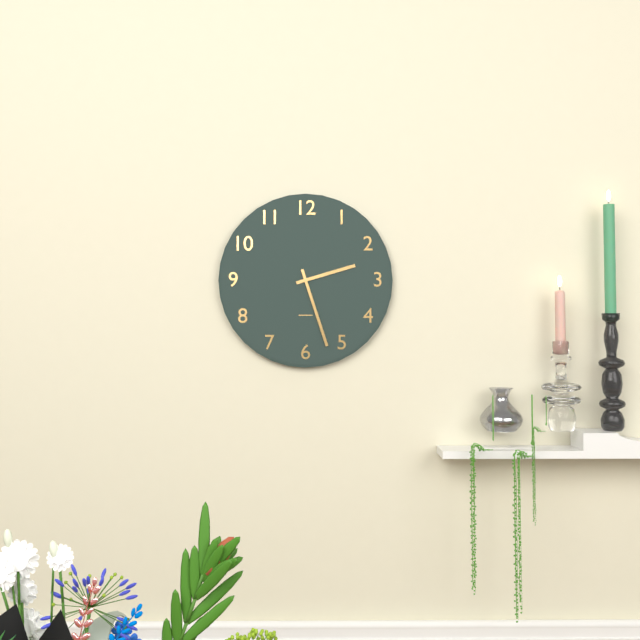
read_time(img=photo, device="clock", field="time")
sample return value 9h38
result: 2h27
